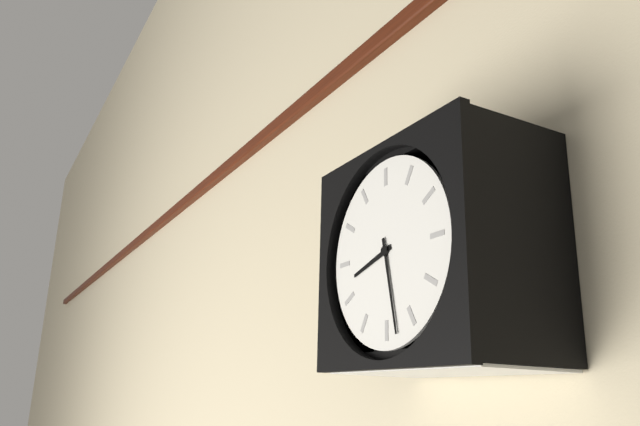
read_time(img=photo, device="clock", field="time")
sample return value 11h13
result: 8h28
